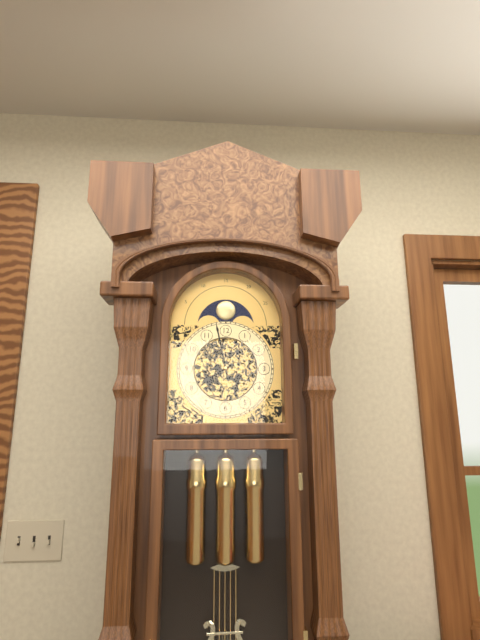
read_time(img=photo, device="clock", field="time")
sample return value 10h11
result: 7h58
